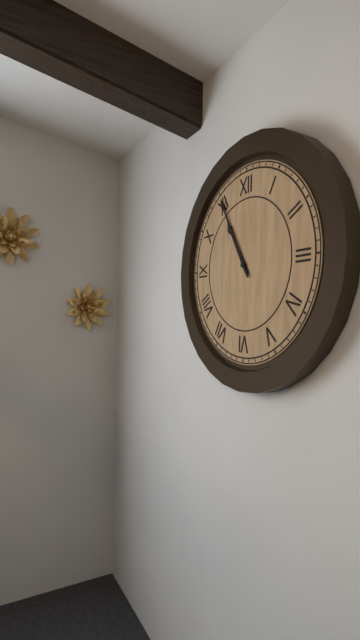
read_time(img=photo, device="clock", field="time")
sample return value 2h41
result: 10h55
